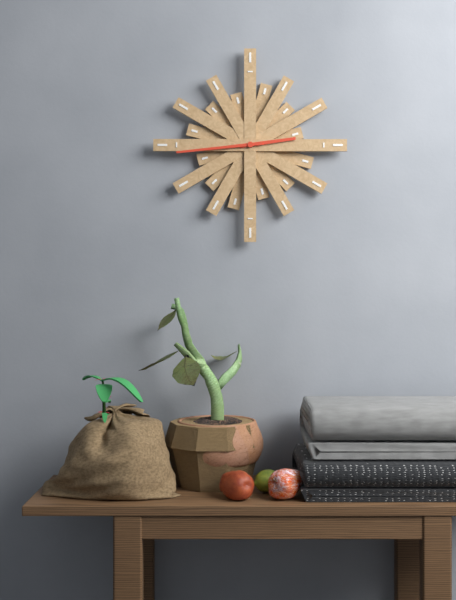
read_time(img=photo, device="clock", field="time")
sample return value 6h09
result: 2h44
